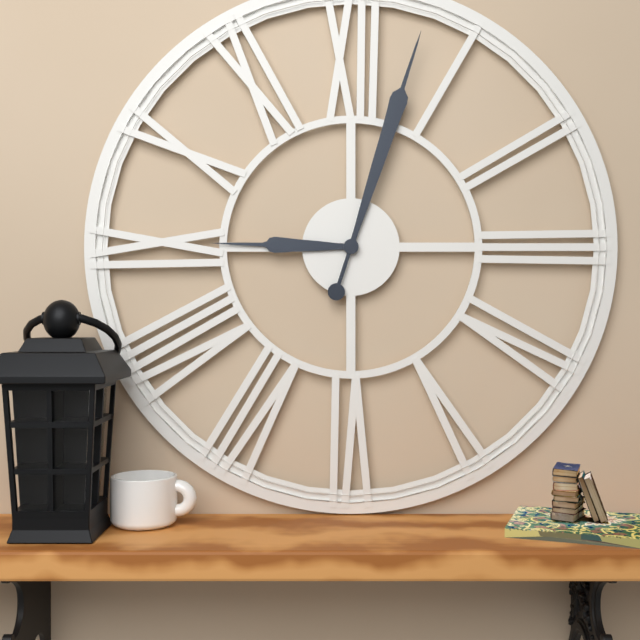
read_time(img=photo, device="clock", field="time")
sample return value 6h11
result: 9h03
